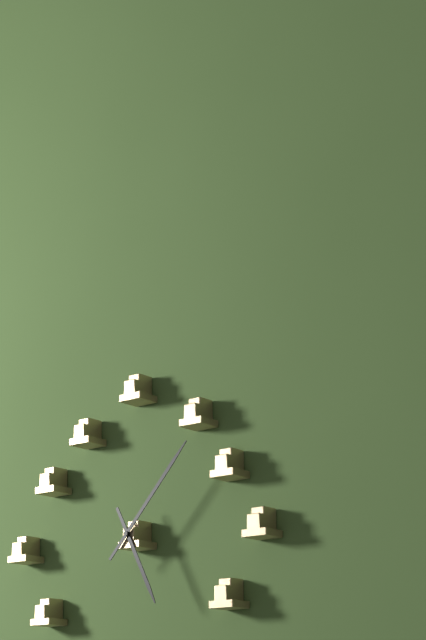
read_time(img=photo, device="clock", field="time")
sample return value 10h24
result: 5h07
